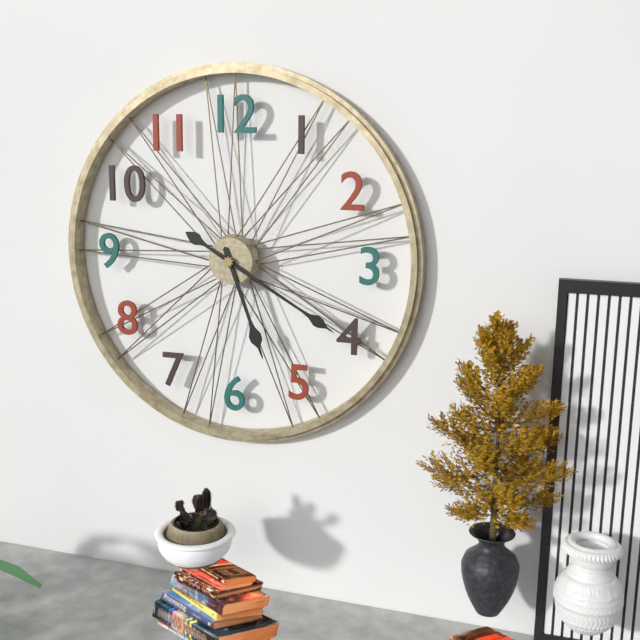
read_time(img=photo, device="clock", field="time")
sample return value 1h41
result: 5h20
